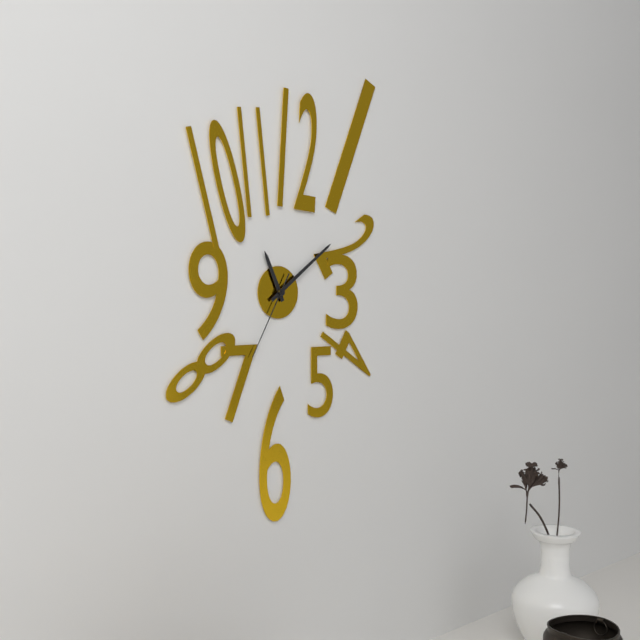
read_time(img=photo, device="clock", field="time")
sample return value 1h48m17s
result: 11h09m35s
